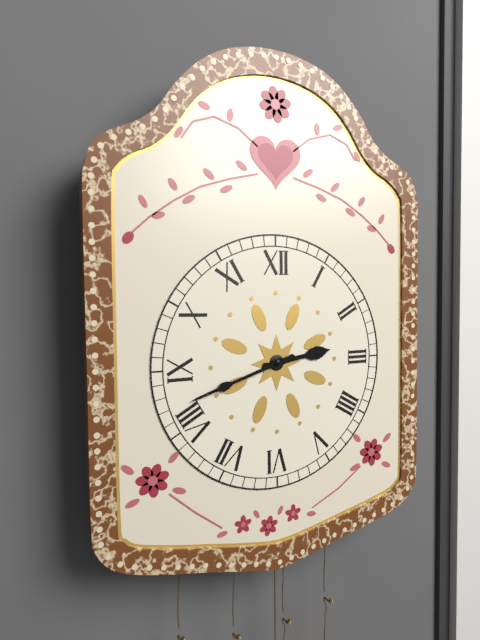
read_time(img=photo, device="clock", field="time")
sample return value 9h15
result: 2h42
